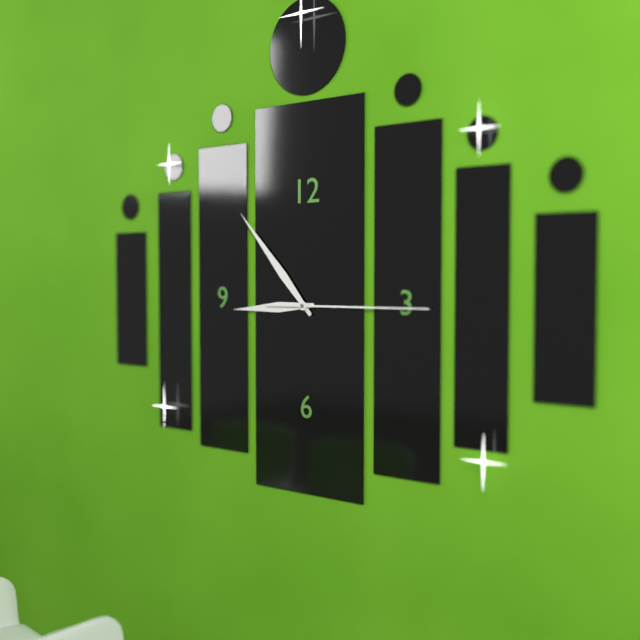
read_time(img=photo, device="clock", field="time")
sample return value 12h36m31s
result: 8h53m15s
